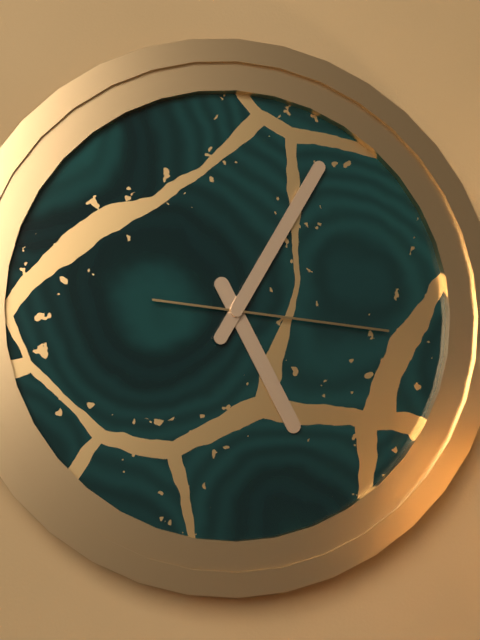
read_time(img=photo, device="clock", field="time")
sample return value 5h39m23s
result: 5h05m16s
